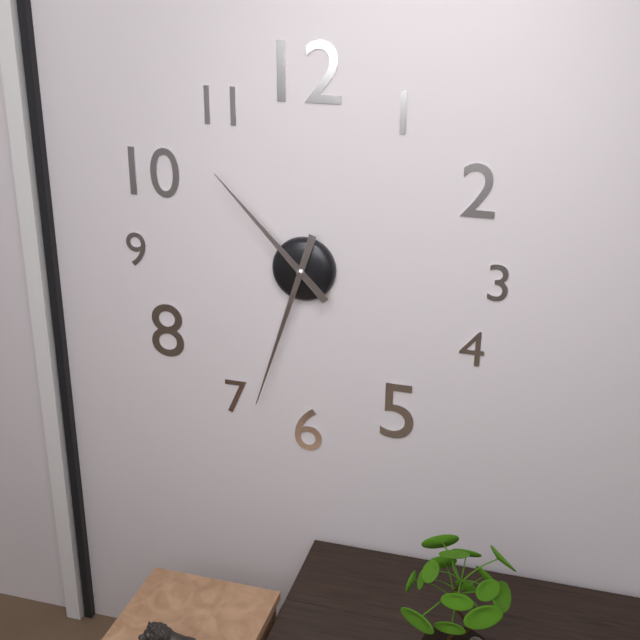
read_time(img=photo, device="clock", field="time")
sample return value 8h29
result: 10h33
